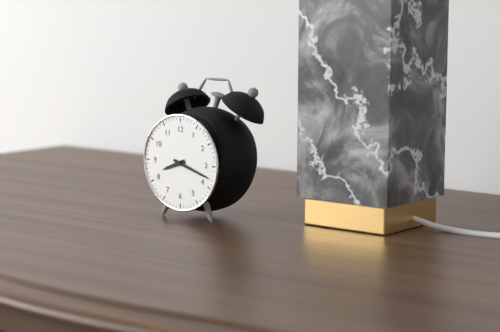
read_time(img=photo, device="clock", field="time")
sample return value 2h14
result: 8h18
